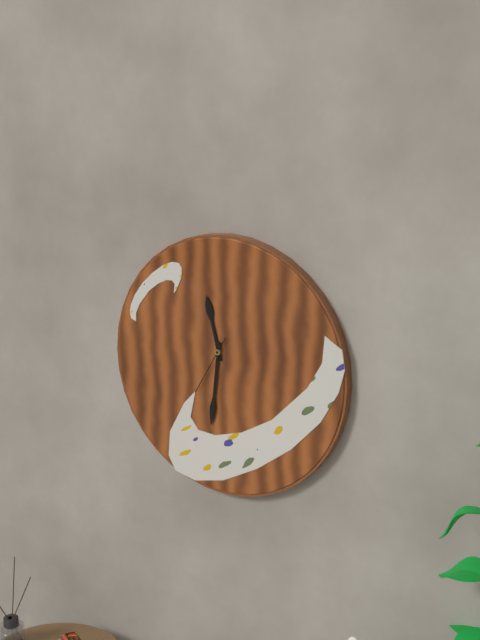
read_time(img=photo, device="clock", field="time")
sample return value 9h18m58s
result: 11h31m35s
